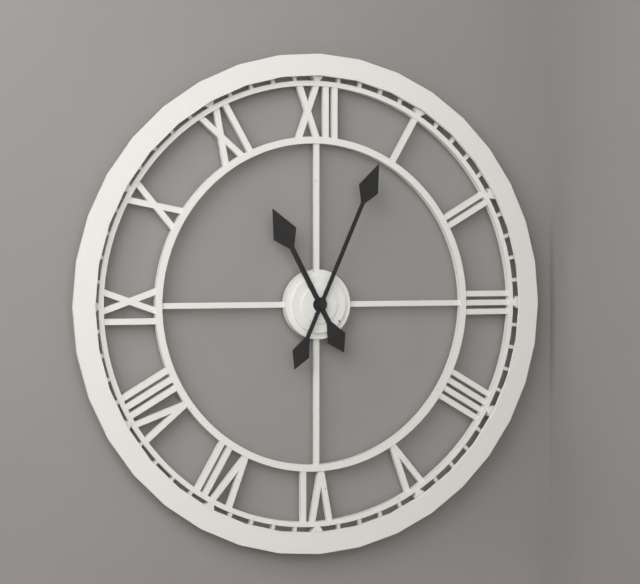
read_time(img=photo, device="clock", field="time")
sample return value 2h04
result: 11h04
